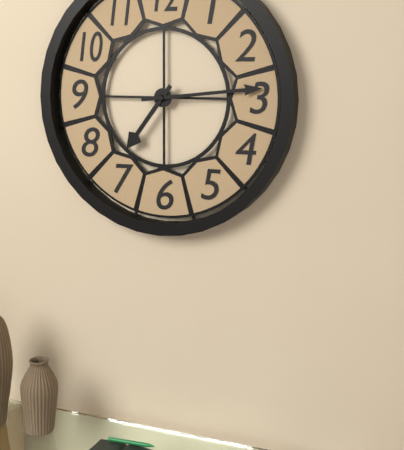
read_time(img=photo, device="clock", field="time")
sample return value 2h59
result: 7h14
